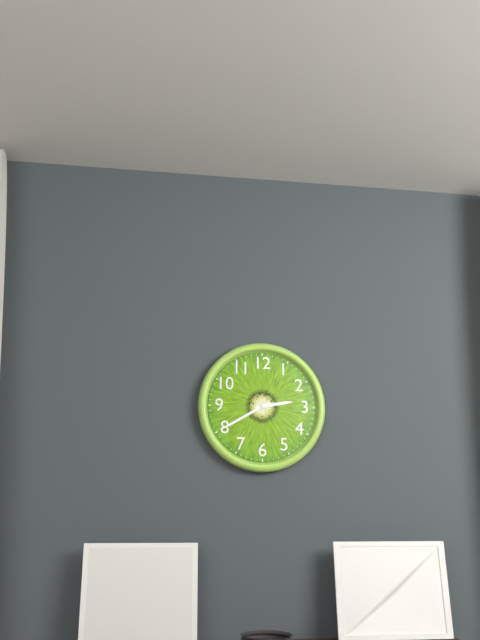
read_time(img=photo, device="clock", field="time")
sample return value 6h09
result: 2h40
